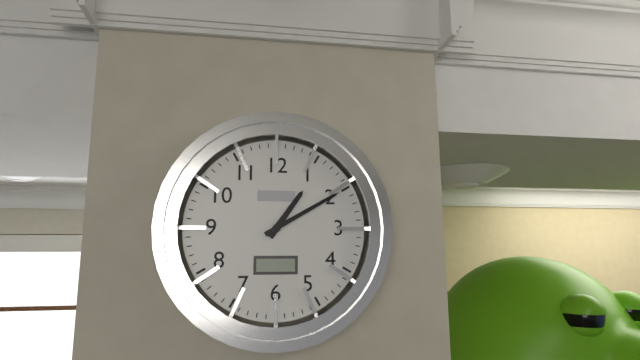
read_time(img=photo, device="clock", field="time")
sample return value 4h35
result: 1h10
